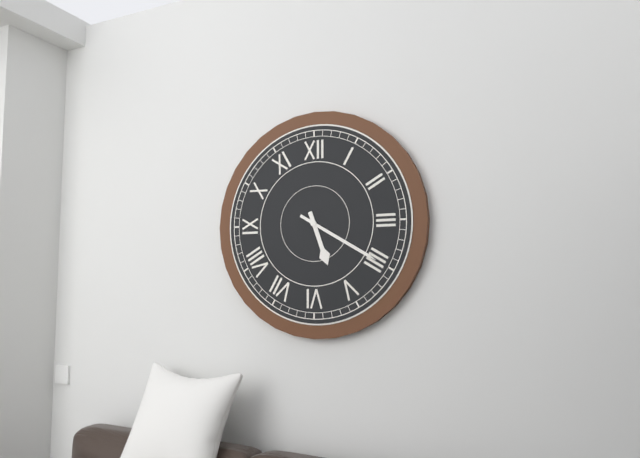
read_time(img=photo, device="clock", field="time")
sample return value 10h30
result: 5h20
